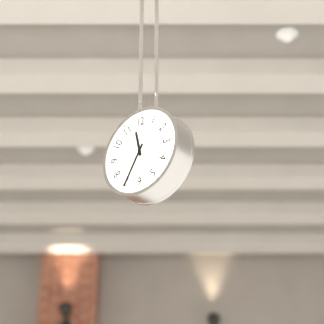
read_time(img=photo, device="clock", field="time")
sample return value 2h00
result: 11h35
